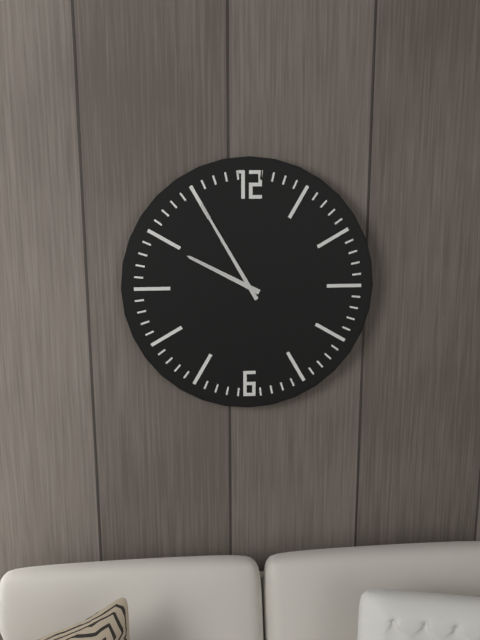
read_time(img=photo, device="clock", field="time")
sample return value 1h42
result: 9h55
